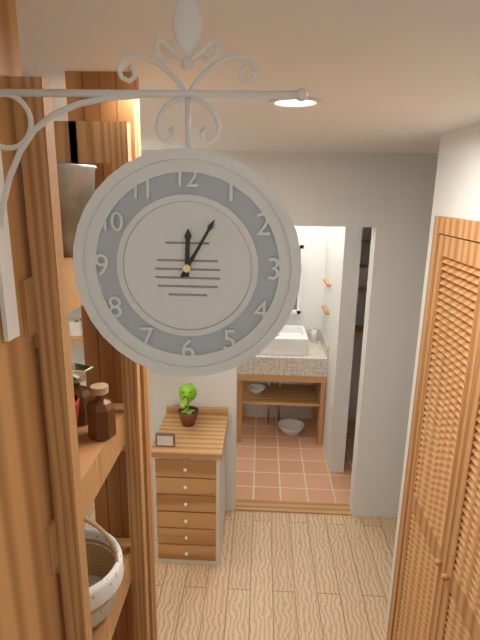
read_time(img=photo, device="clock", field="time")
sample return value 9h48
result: 12h05
